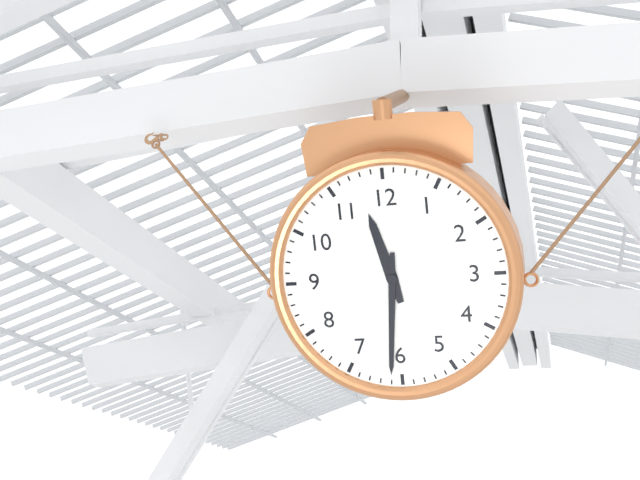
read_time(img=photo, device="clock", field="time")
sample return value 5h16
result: 11h31
